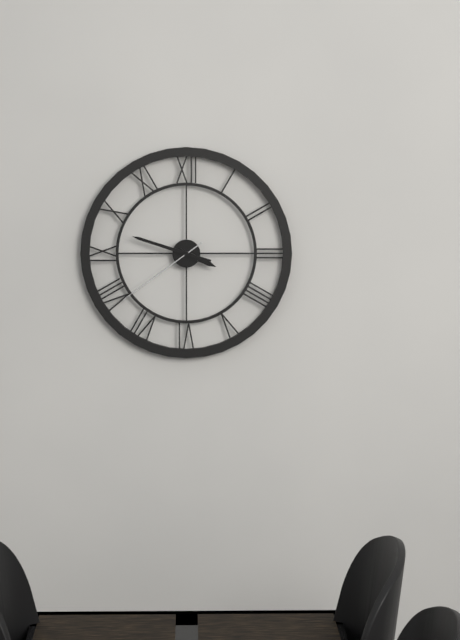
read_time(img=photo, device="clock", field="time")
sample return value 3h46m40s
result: 3h48m39s
